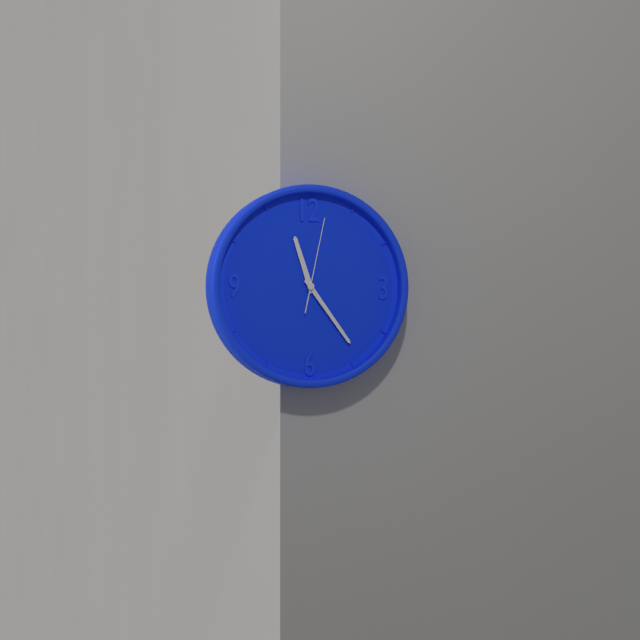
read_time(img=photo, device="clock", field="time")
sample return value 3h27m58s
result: 11h24m02s
